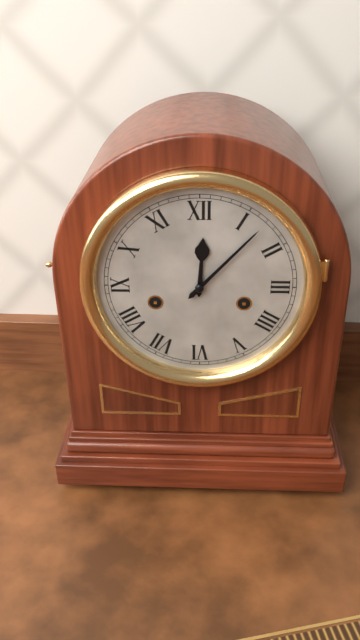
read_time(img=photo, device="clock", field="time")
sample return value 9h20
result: 12h07
